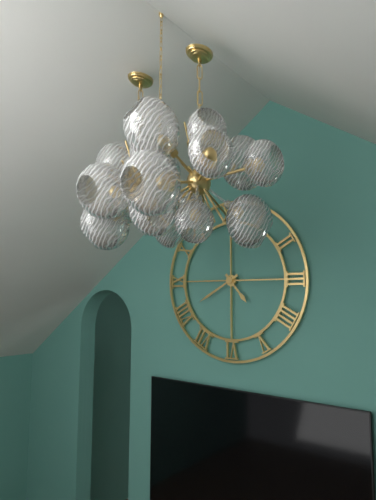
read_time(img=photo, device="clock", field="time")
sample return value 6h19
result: 4h40
